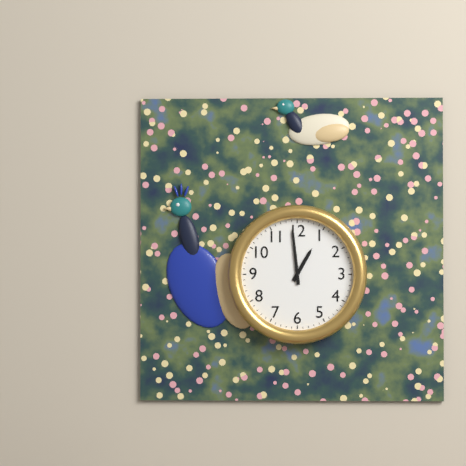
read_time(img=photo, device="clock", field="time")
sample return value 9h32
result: 12h59
